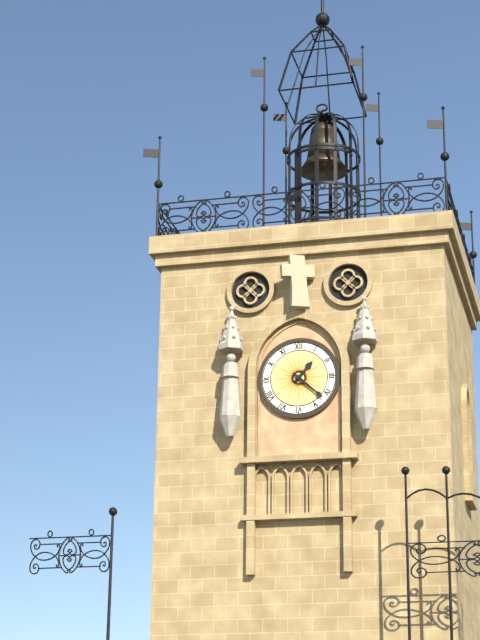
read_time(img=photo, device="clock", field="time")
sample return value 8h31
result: 1h22
